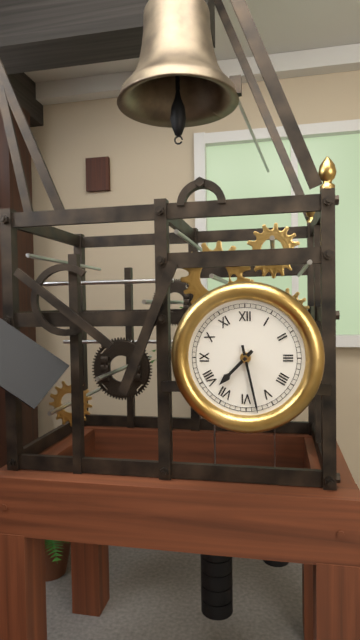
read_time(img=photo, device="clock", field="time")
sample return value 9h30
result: 7h28
